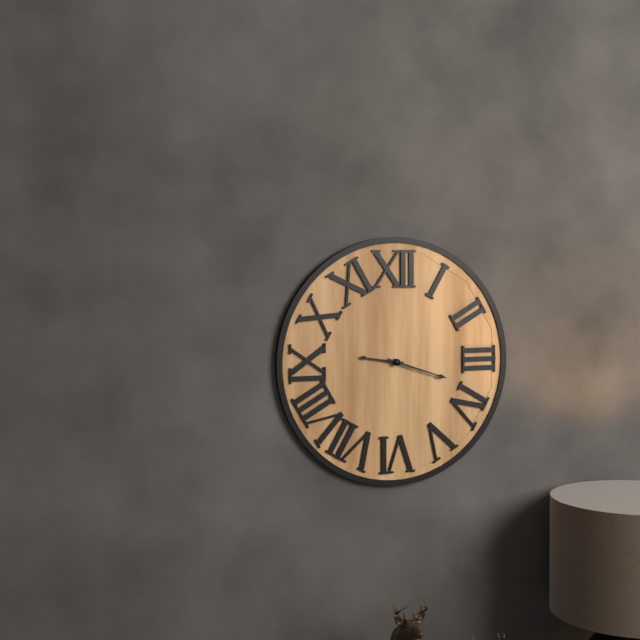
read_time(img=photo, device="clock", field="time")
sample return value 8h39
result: 9h18
